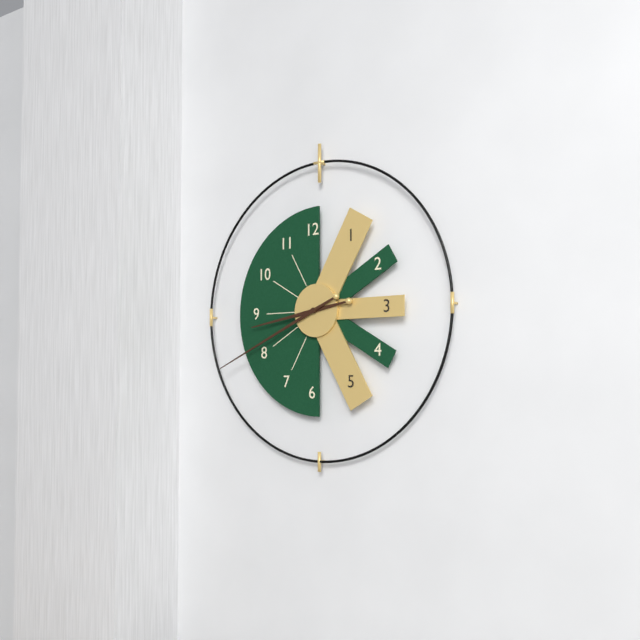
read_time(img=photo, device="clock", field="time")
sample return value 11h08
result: 8h41
